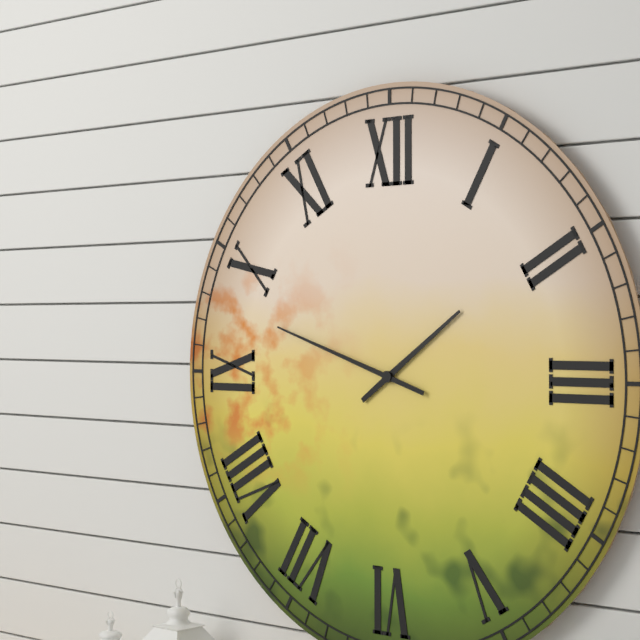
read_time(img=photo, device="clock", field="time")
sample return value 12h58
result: 1h48
